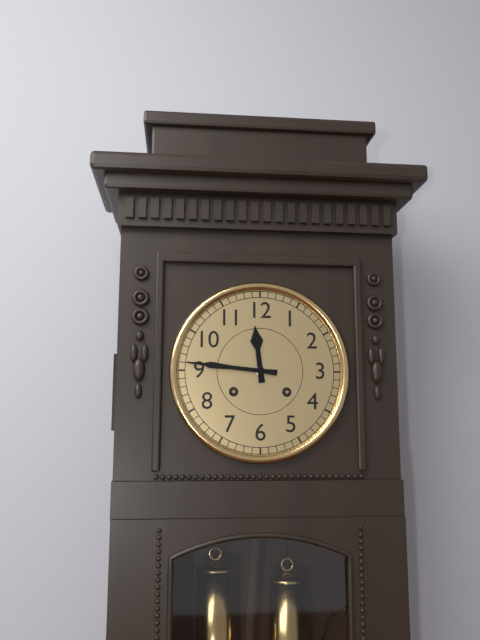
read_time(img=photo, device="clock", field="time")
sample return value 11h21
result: 11h46
